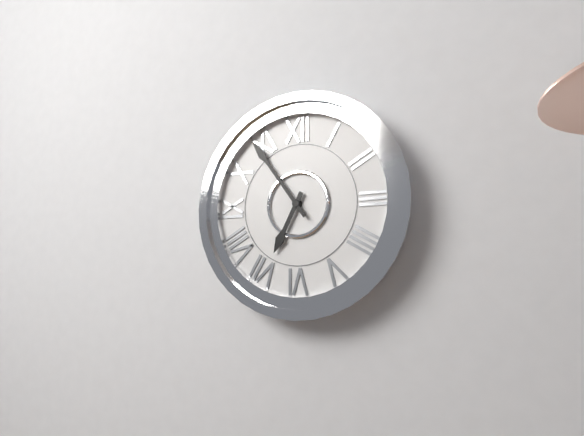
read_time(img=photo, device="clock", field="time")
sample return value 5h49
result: 6h54
